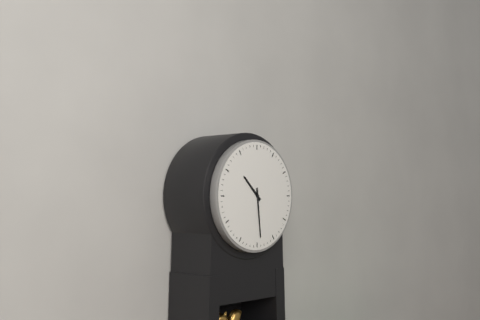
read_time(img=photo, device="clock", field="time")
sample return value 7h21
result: 10h29
